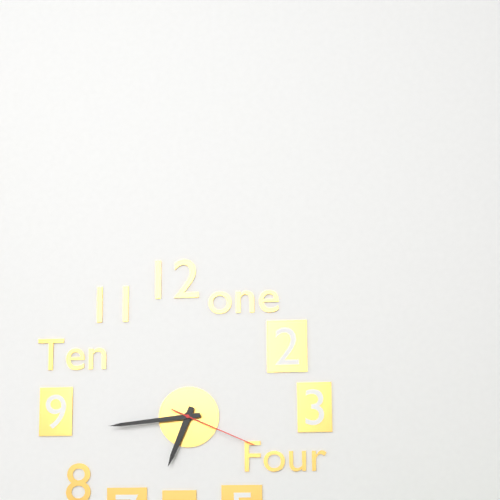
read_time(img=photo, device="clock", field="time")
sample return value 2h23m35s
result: 6h44m19s
